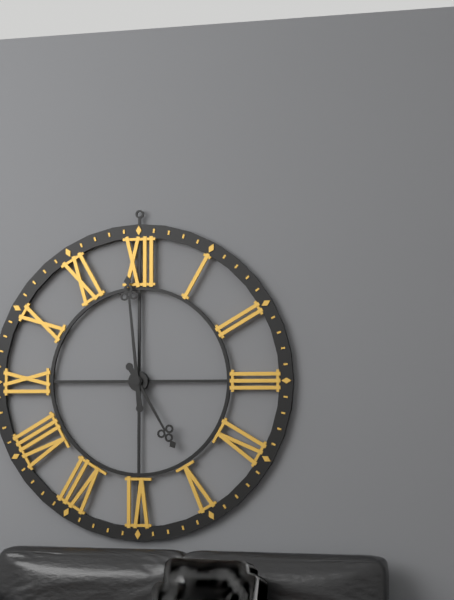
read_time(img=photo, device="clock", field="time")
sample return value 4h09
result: 4h59
